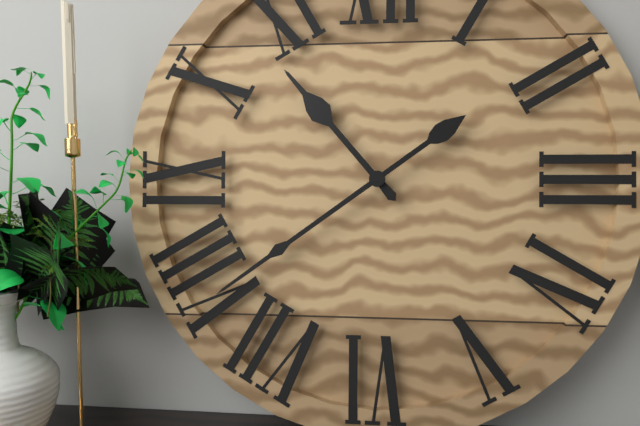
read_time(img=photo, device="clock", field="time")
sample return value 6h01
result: 10h39
